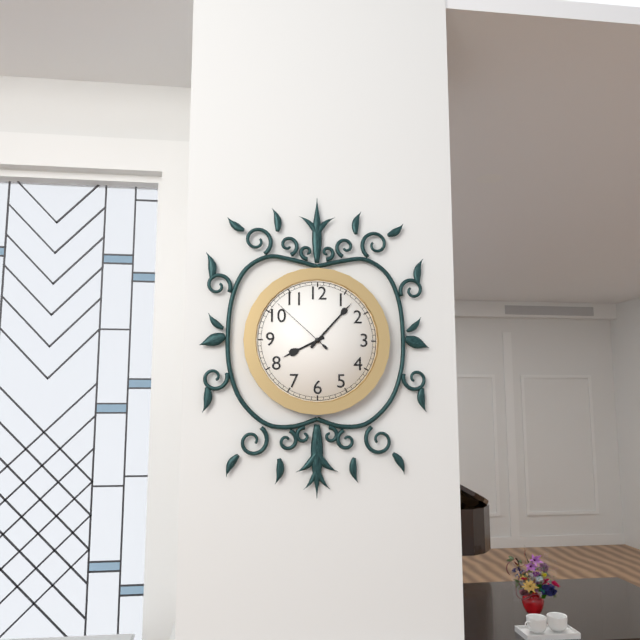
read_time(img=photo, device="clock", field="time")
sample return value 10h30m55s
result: 8h07m52s
